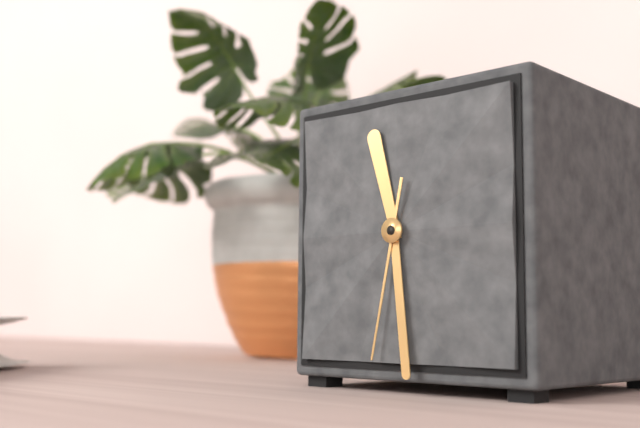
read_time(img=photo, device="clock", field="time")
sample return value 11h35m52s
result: 11h29m32s
